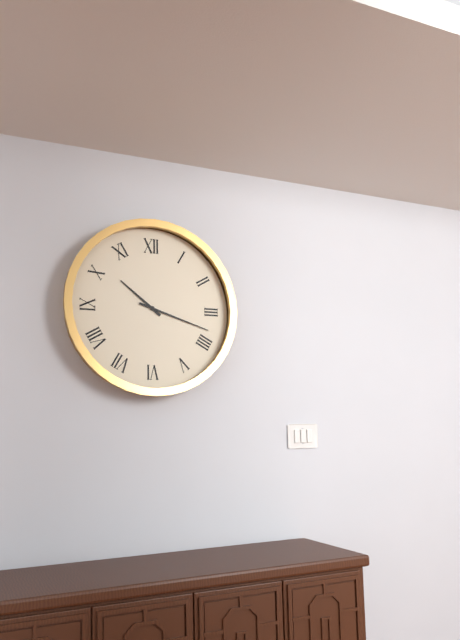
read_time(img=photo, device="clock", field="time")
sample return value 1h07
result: 10h18
